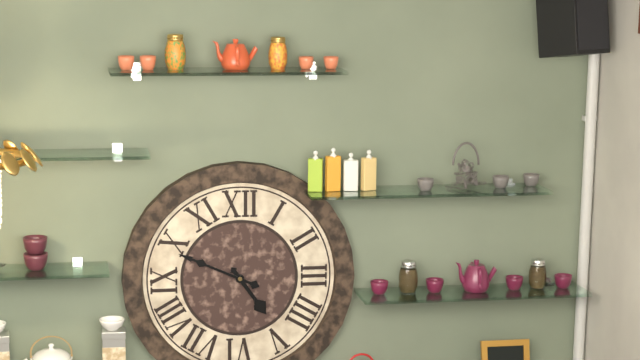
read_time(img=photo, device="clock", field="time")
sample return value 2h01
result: 4h49
